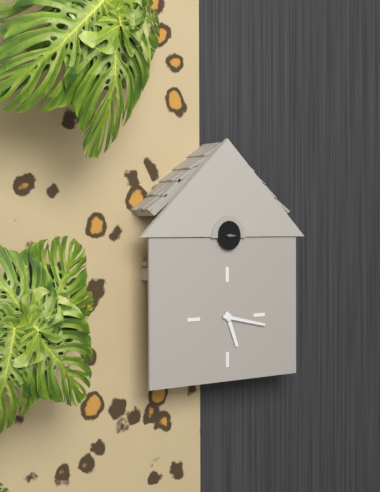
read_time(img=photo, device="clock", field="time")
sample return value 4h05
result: 5h17
